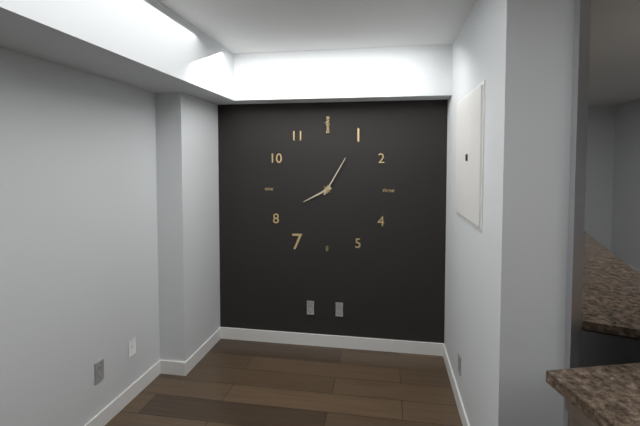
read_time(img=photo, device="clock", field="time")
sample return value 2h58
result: 8h05
